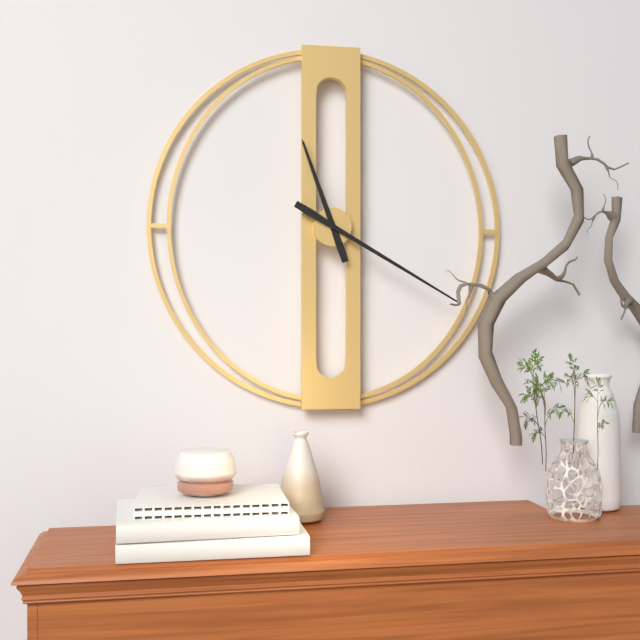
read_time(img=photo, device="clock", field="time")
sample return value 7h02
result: 11h20
